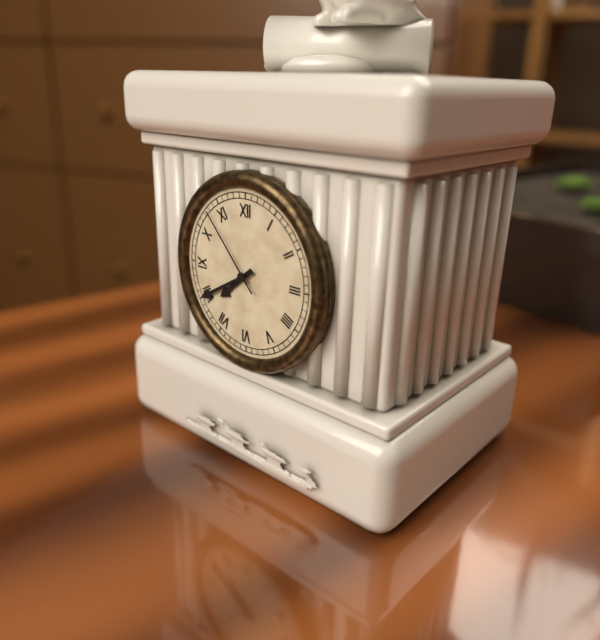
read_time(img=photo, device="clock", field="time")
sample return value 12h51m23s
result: 7h40m53s
